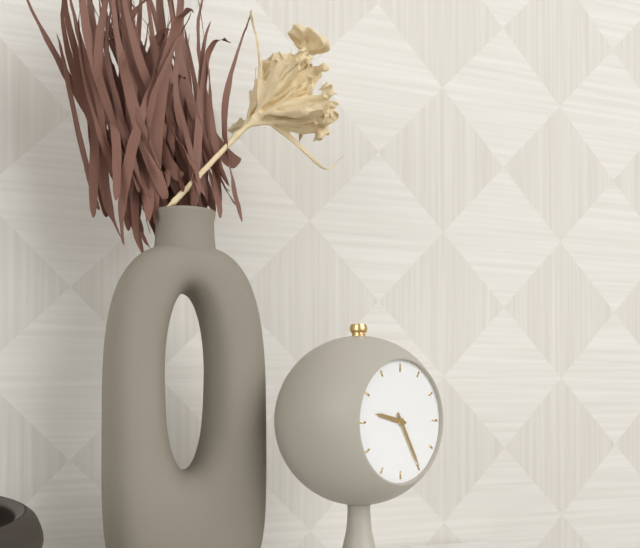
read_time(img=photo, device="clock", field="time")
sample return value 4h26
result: 9h25
